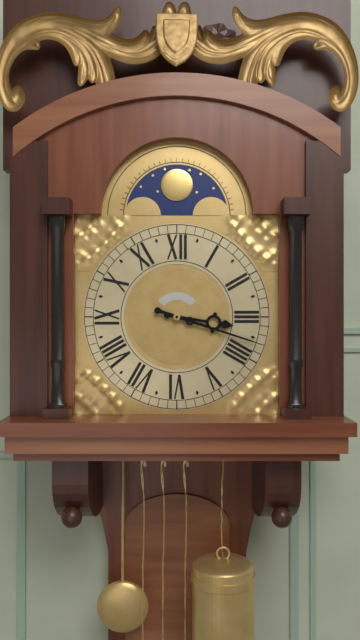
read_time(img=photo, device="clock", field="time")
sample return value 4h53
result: 3h18
